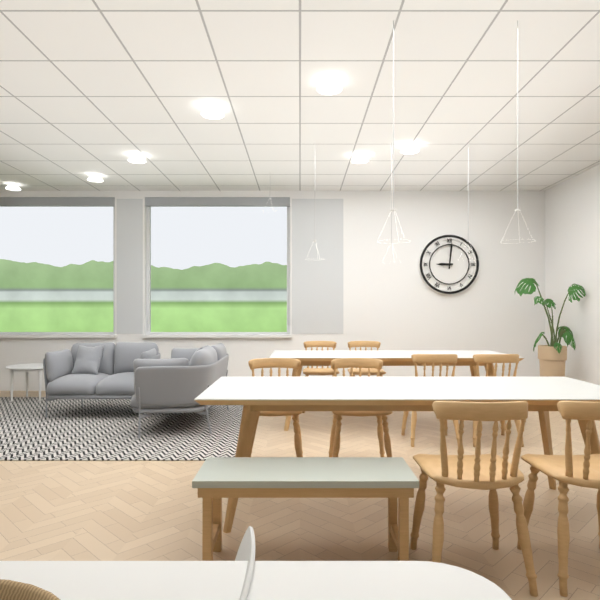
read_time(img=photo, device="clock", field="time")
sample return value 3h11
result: 9h01
